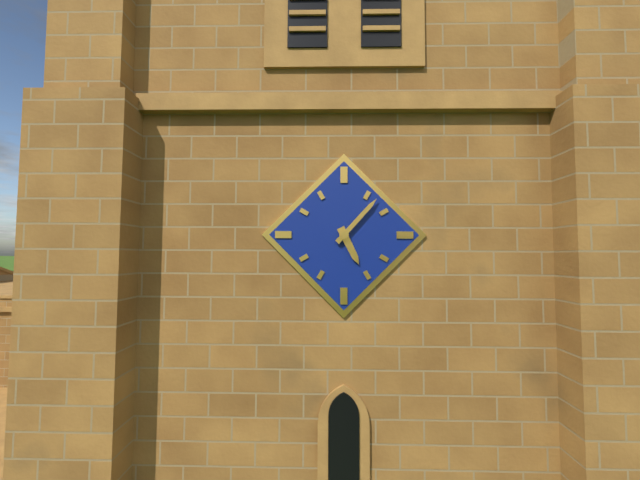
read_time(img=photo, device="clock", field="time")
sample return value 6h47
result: 5h07
